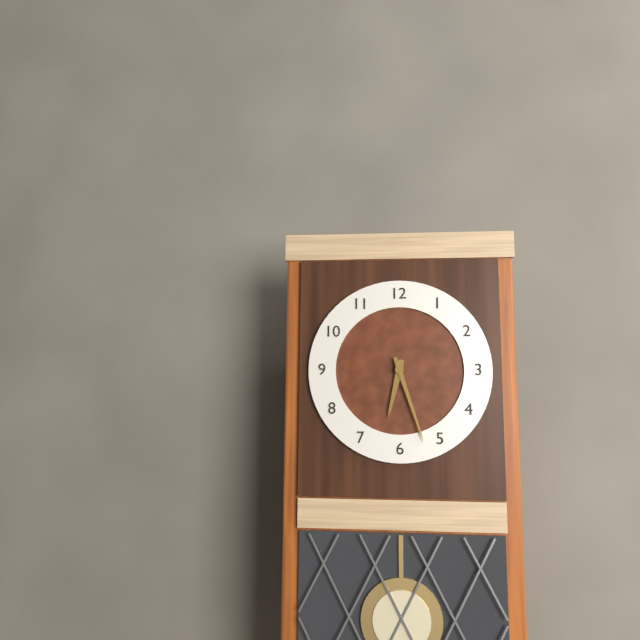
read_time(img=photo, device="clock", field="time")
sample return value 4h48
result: 6h27
